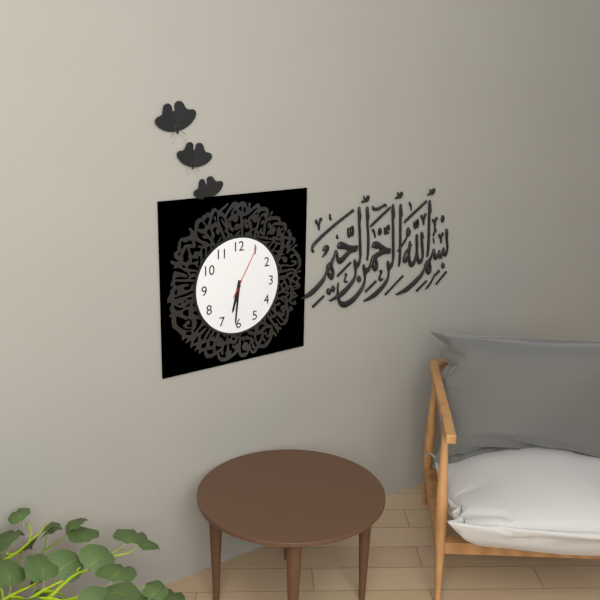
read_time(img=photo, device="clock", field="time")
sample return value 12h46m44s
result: 6h31m05s
